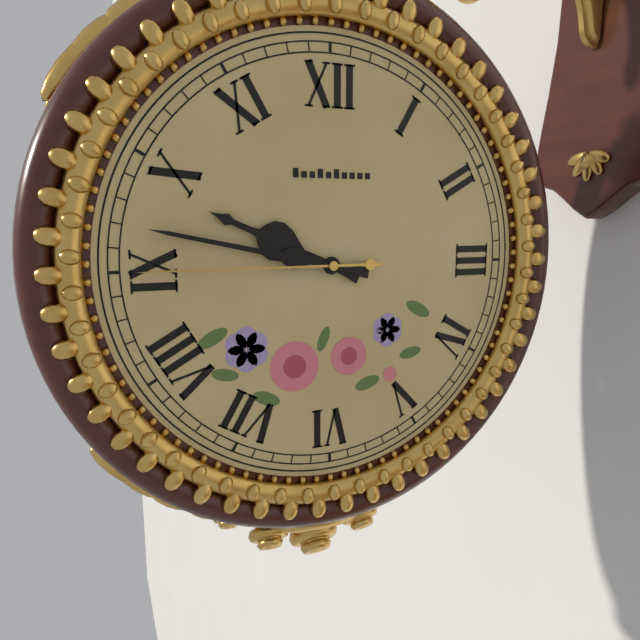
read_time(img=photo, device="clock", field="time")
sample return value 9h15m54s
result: 9h47m45s
